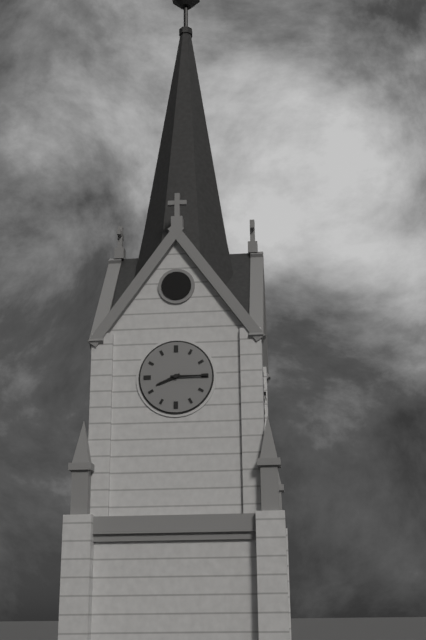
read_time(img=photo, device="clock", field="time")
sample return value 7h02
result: 8h15
